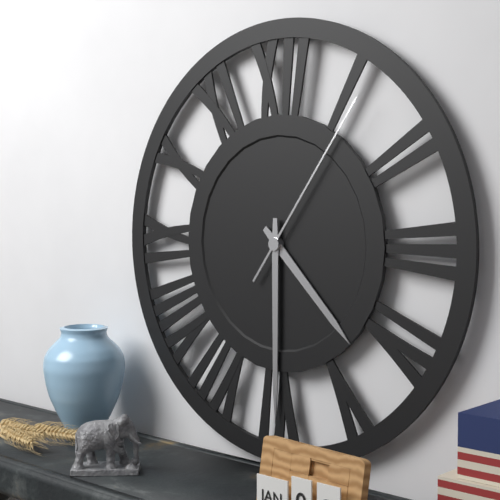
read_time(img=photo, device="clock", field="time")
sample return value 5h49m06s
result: 4h30m06s
